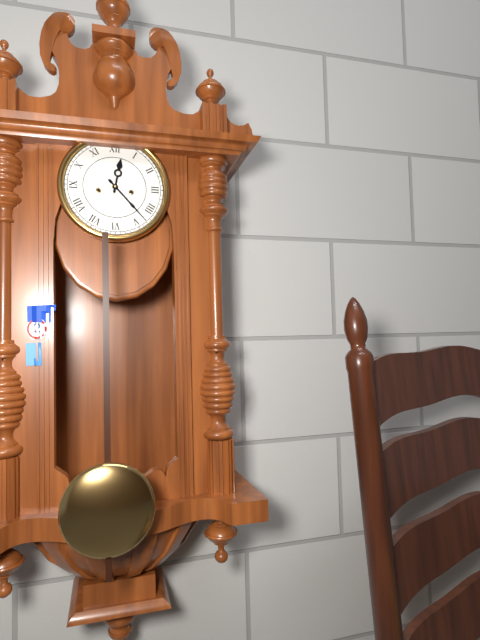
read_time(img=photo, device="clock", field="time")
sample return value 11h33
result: 12h23
